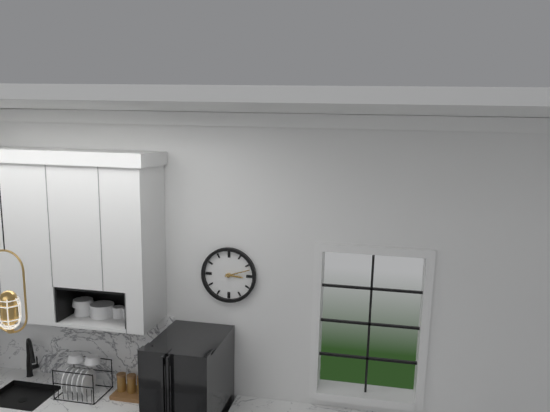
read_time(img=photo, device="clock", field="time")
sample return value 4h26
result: 3h12
